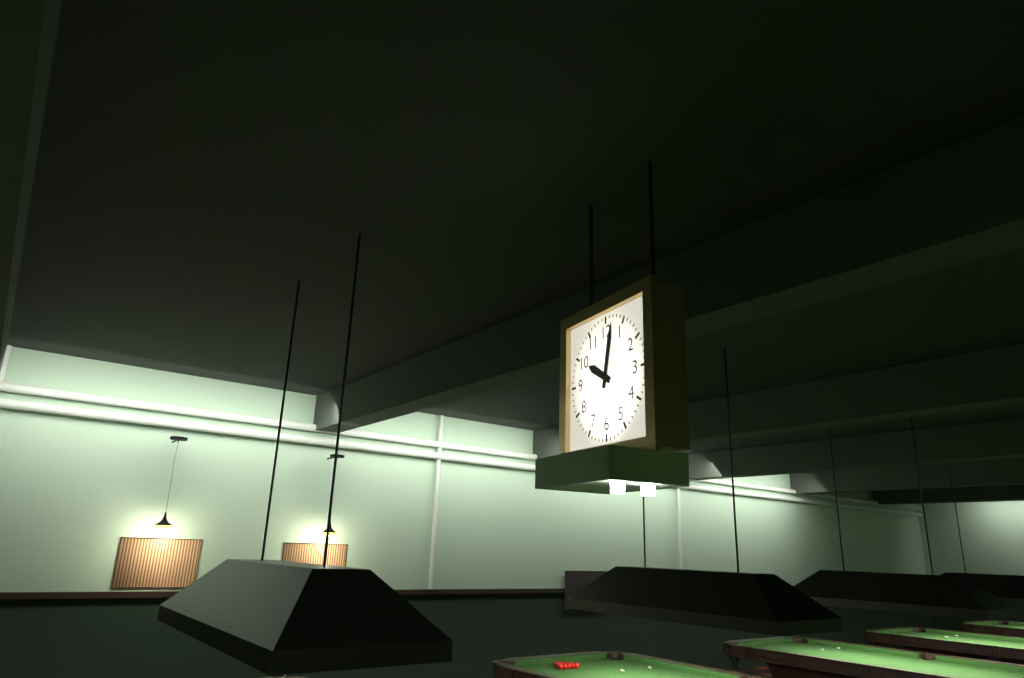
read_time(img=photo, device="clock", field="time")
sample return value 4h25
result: 10h02
